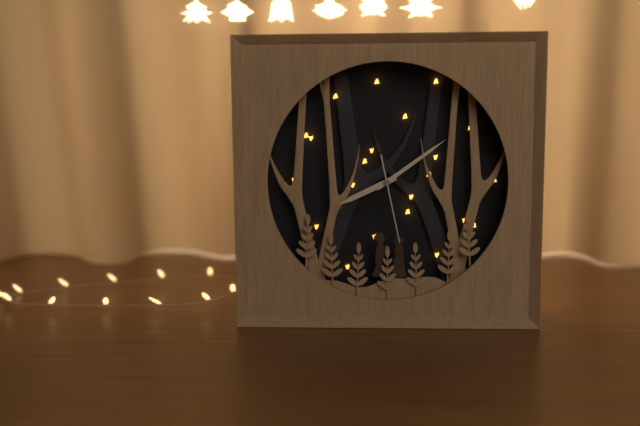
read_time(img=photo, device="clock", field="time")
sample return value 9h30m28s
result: 8h09m28s
